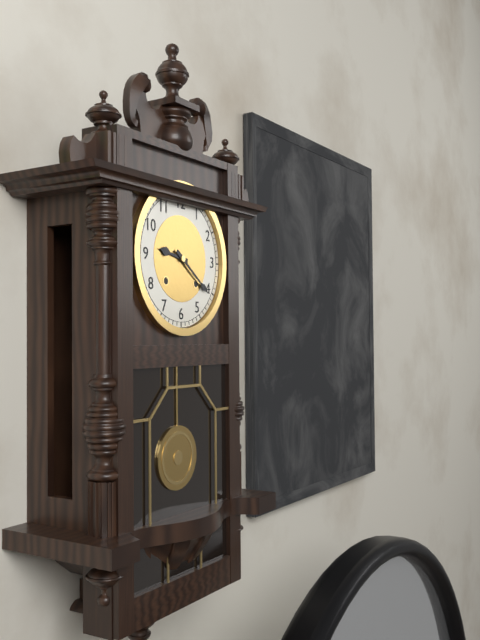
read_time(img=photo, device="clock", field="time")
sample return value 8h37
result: 9h21
